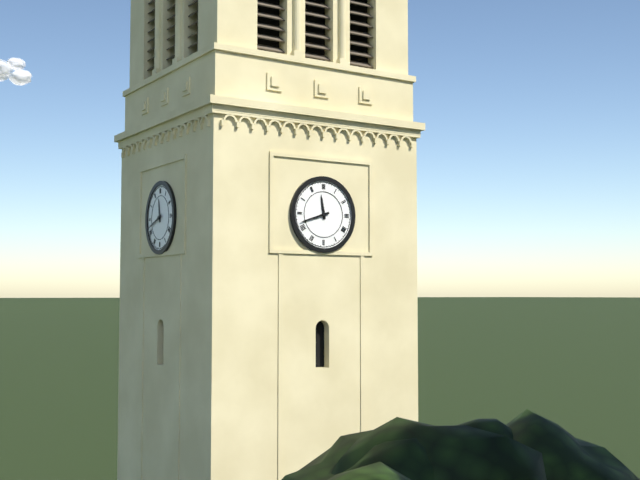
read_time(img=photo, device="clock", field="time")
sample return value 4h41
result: 11h42
